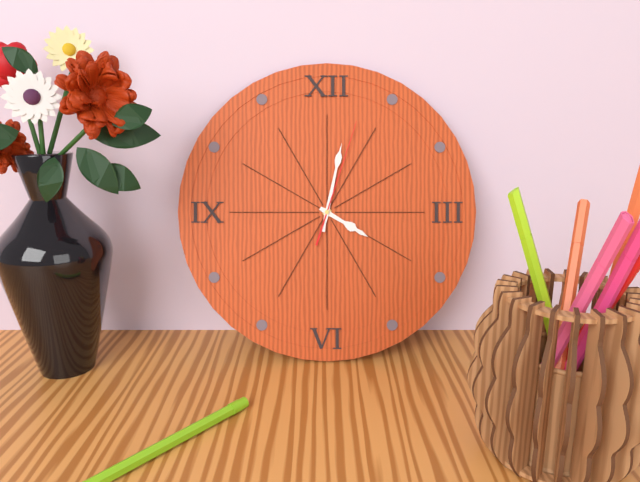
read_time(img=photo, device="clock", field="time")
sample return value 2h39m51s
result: 4h02m03s
